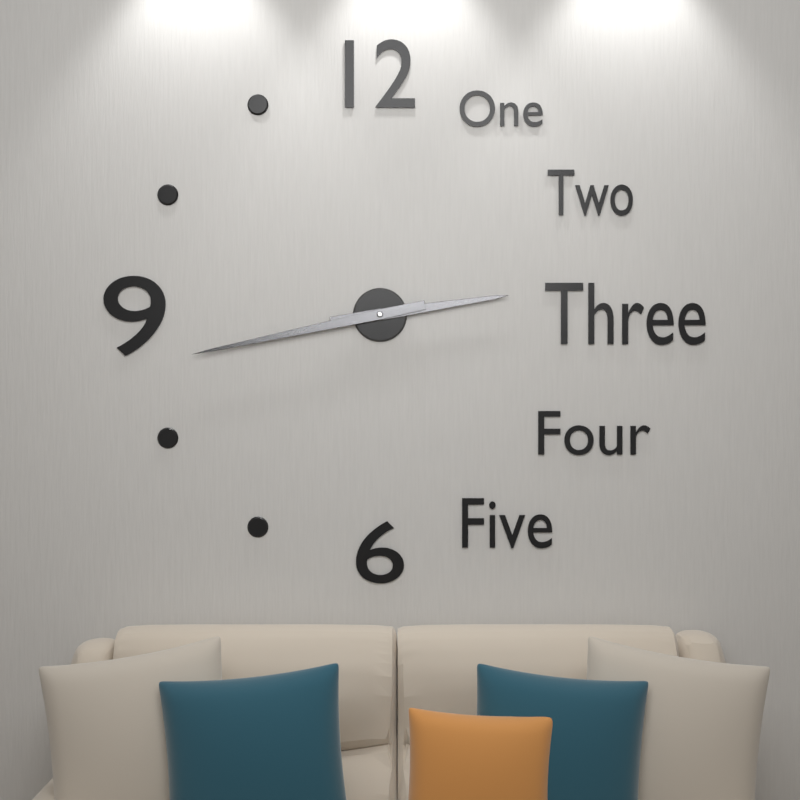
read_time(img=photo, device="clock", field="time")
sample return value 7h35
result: 2h43
